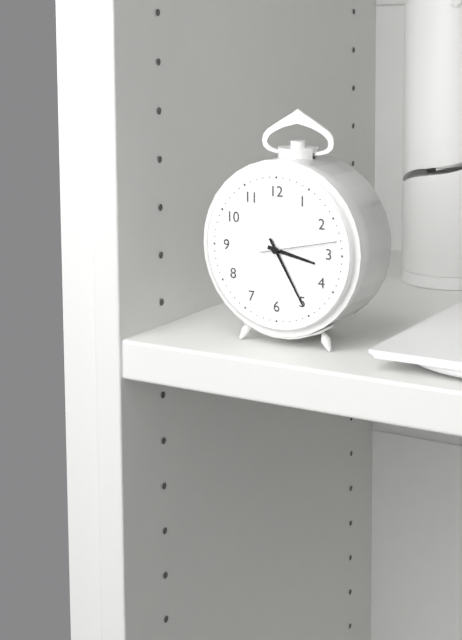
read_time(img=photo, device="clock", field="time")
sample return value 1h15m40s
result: 3h25m13s
